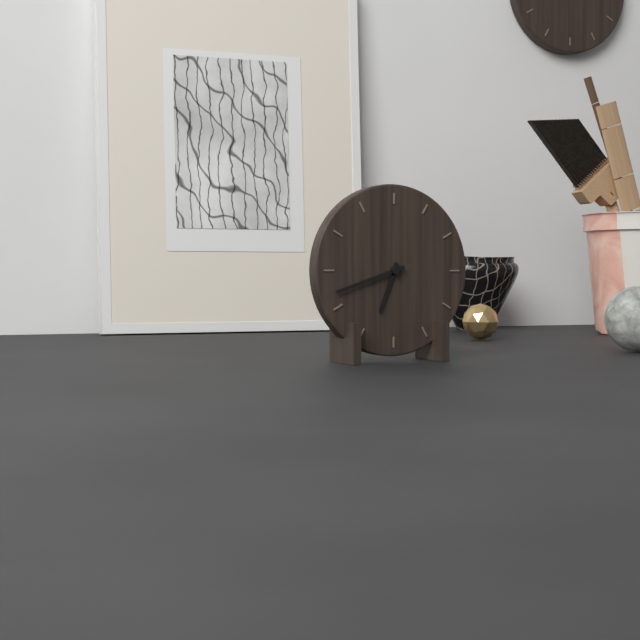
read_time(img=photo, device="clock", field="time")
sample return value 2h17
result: 6h42
